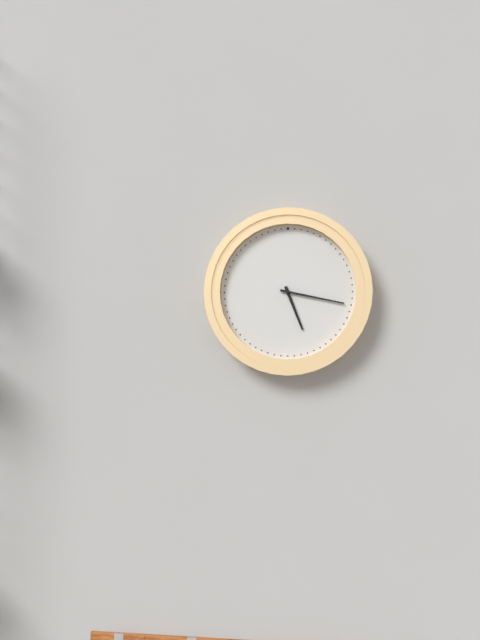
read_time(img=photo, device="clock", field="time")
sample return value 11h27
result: 5h17
